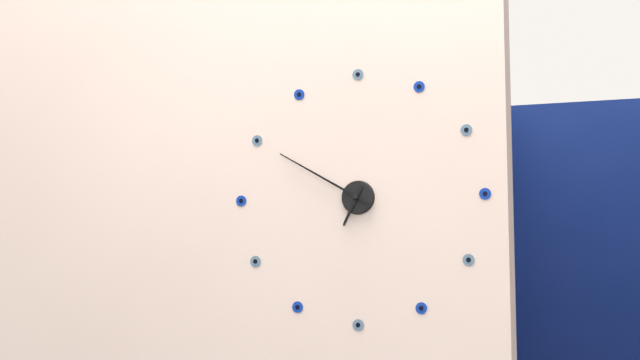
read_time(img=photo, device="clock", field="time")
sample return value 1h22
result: 6h50
